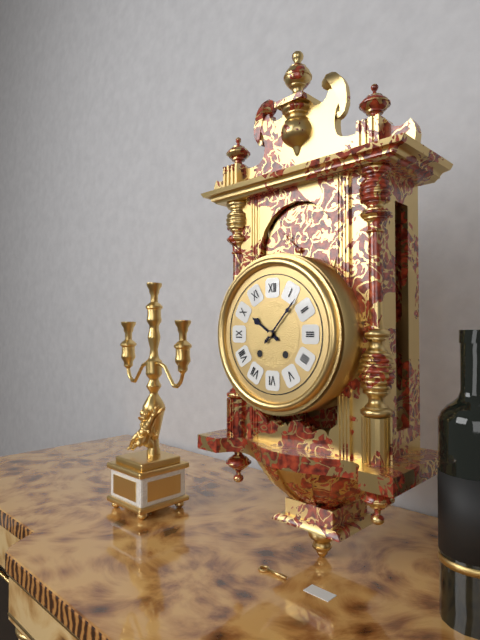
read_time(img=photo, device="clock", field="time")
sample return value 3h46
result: 10h07
